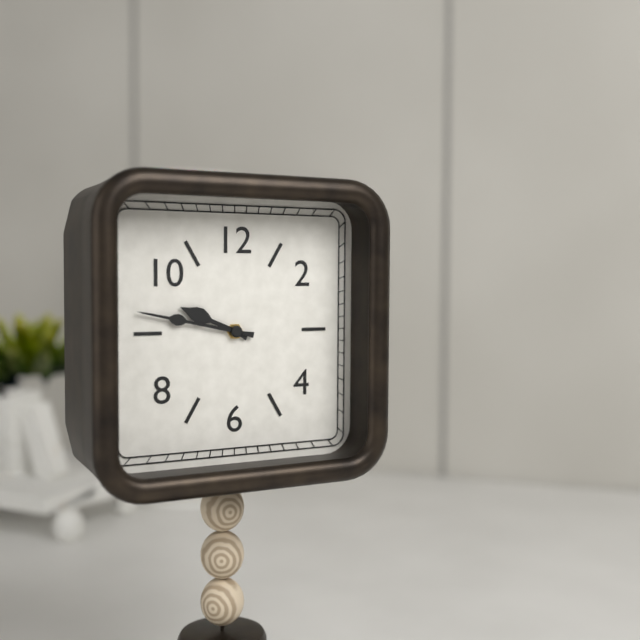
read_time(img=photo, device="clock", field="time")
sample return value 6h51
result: 9h47
